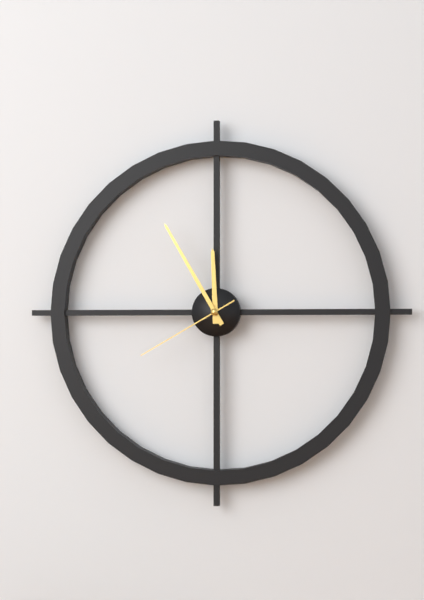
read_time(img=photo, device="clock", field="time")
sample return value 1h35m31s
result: 11h55m40s
